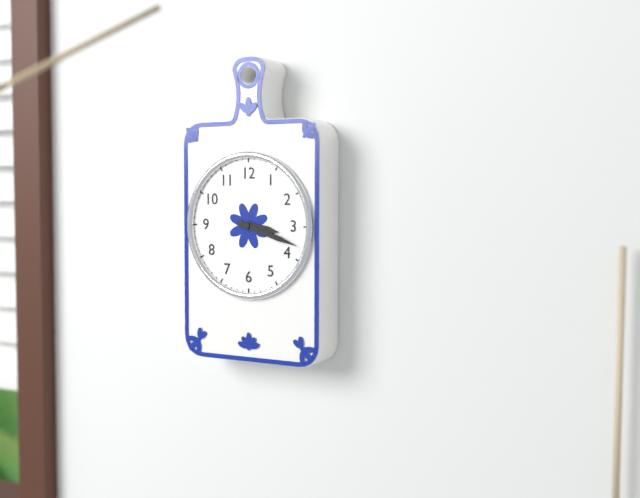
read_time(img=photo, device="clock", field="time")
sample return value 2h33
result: 3h18
